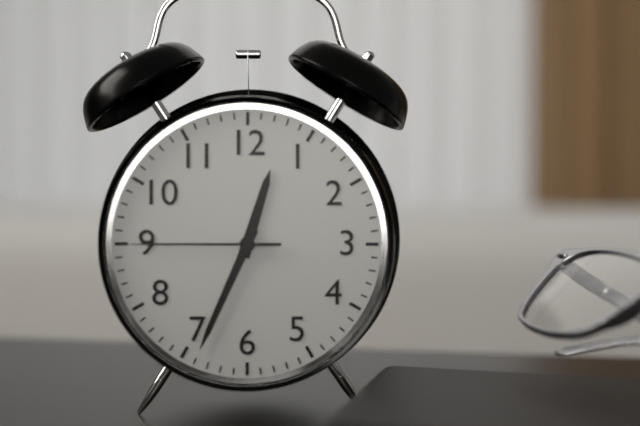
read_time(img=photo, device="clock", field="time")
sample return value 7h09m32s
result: 12h34m45s
